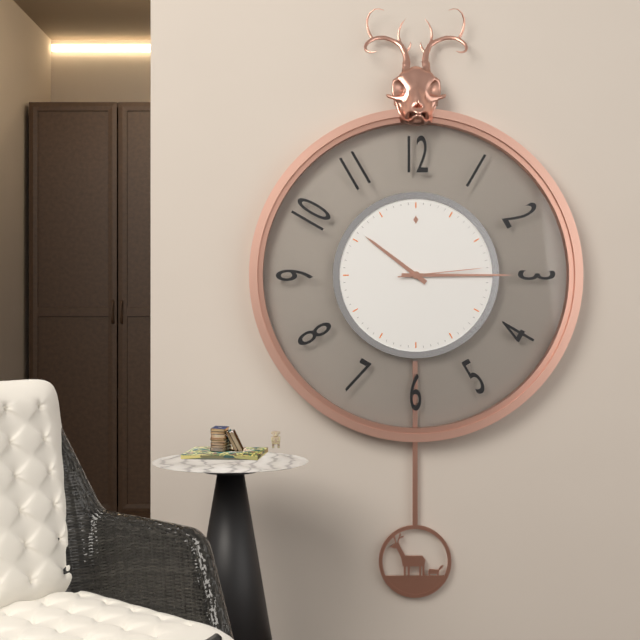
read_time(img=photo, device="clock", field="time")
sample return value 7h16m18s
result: 10h15m14s
